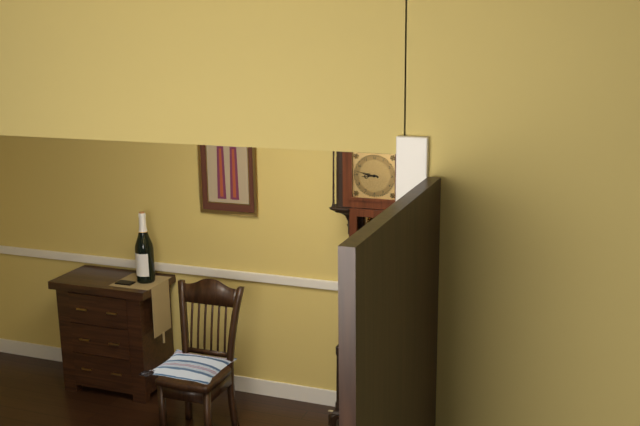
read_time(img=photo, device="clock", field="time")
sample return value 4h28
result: 8h47
